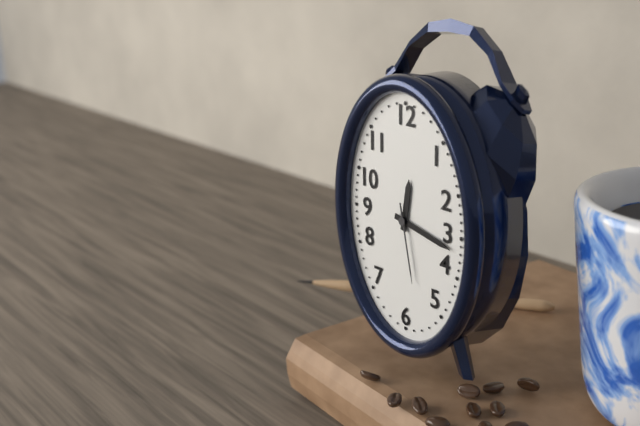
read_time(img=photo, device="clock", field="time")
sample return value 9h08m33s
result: 12h17m28s
